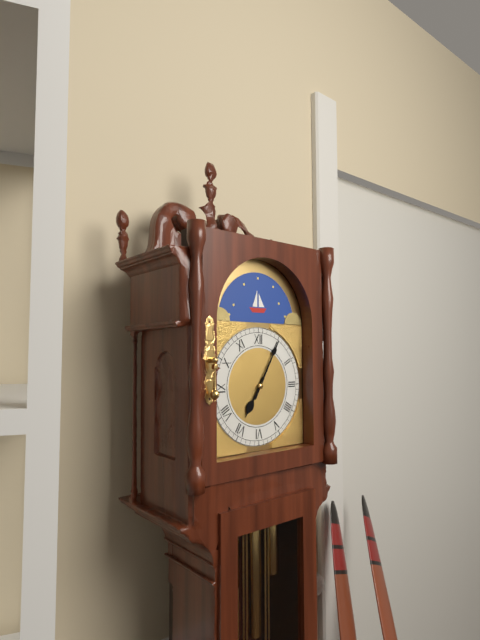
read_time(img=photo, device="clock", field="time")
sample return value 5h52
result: 7h05
